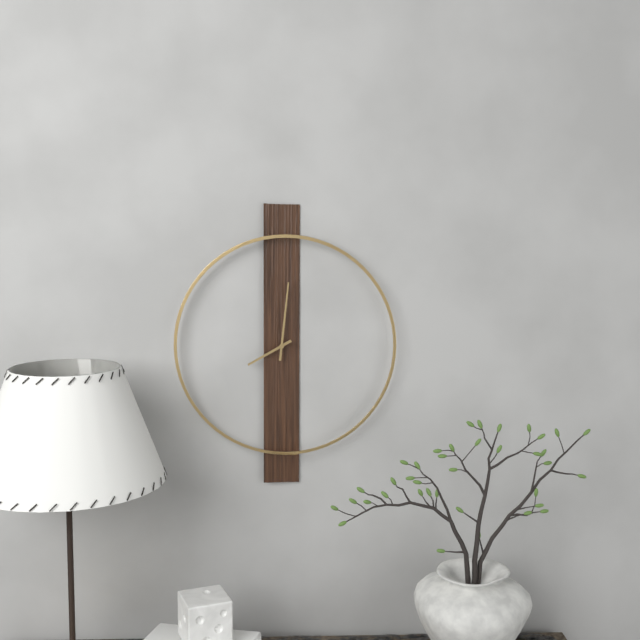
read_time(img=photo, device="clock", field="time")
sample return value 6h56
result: 8h01
